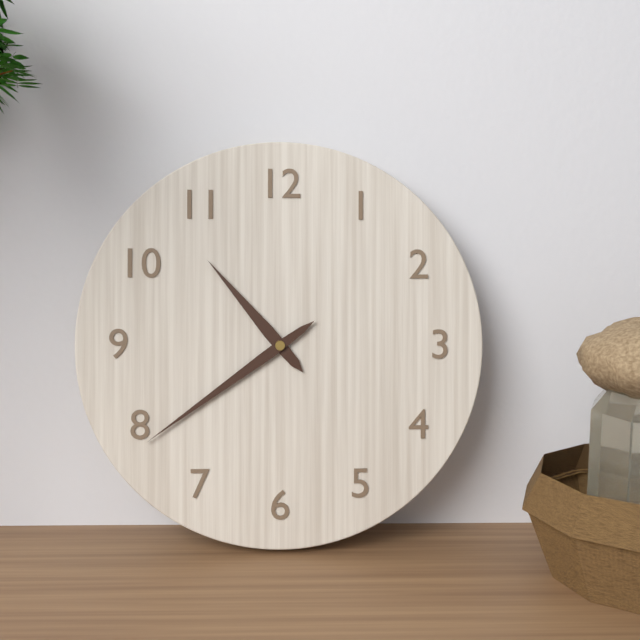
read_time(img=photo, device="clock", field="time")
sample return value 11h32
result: 10h39
